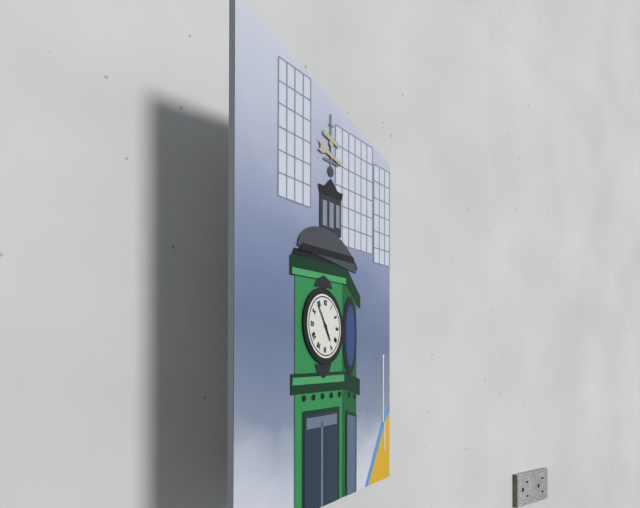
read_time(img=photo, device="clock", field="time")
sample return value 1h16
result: 4h54
